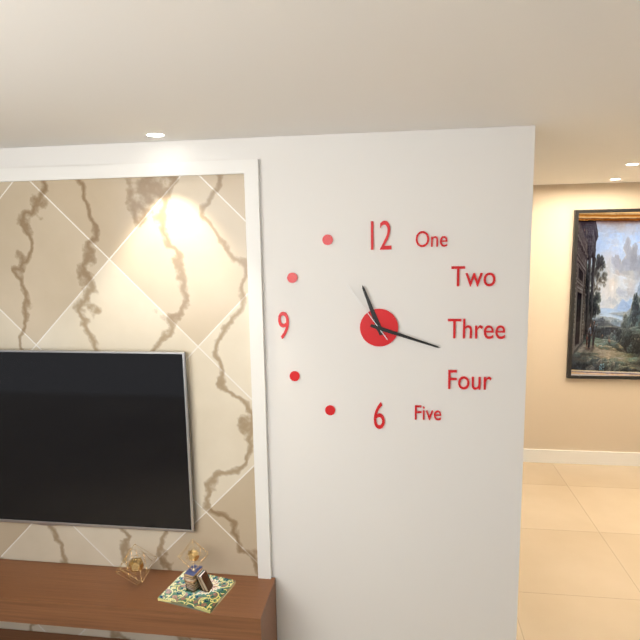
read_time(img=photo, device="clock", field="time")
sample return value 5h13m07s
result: 11h18m54s
